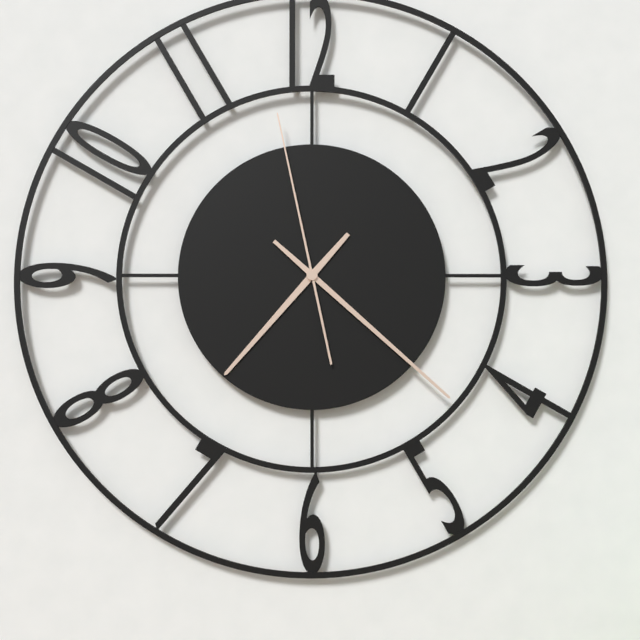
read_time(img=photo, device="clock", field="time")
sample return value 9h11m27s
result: 7h22m58s
